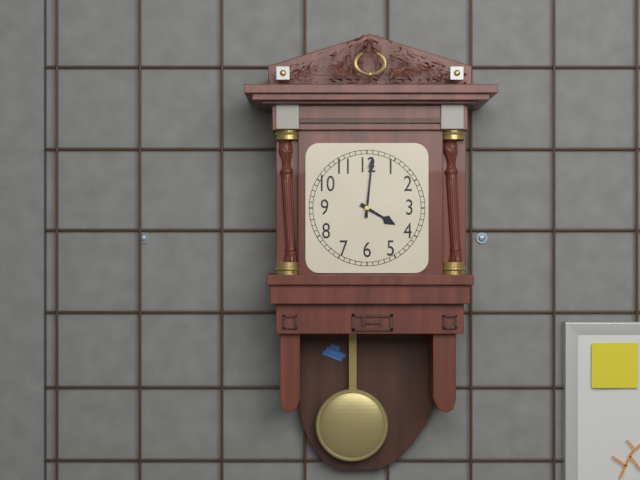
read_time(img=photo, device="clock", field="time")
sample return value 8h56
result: 4h01
